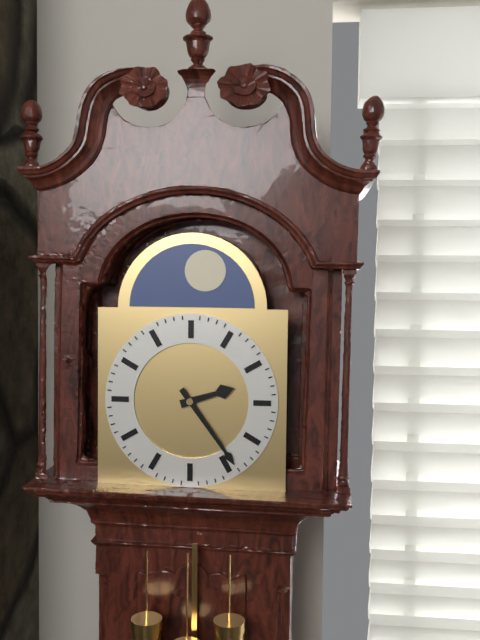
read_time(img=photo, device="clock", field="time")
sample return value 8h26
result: 2h24
